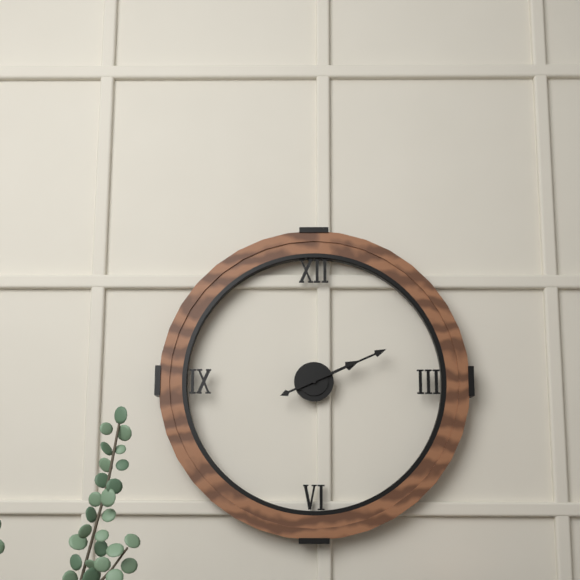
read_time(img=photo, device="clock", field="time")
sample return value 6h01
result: 2h11
